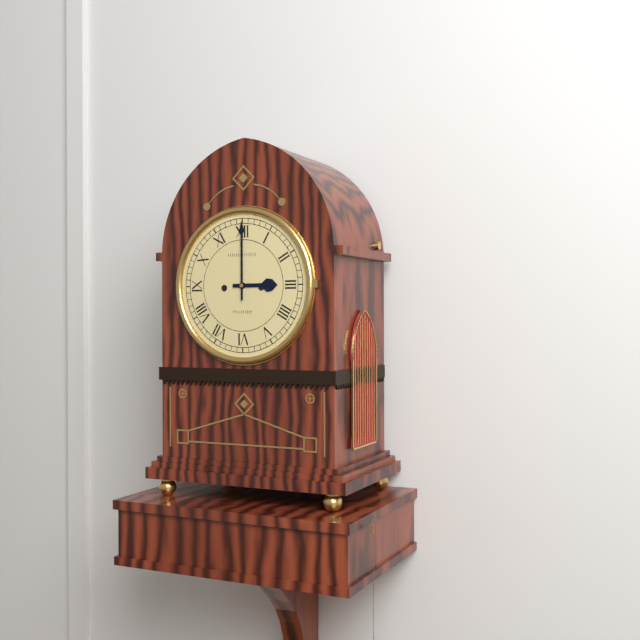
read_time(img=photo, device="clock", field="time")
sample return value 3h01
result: 3h00
